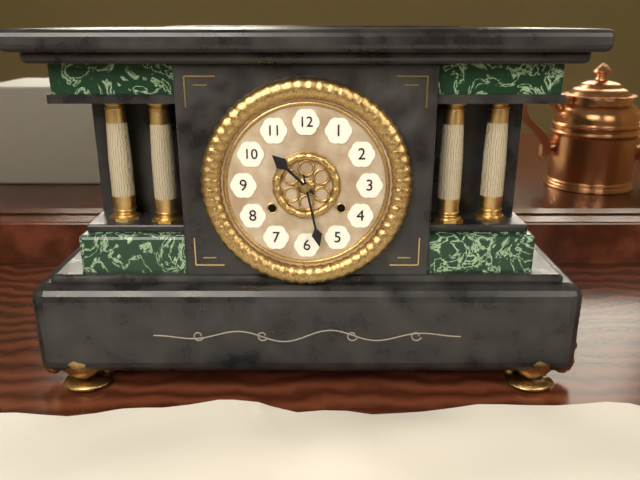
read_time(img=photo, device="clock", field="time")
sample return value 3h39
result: 10h28
